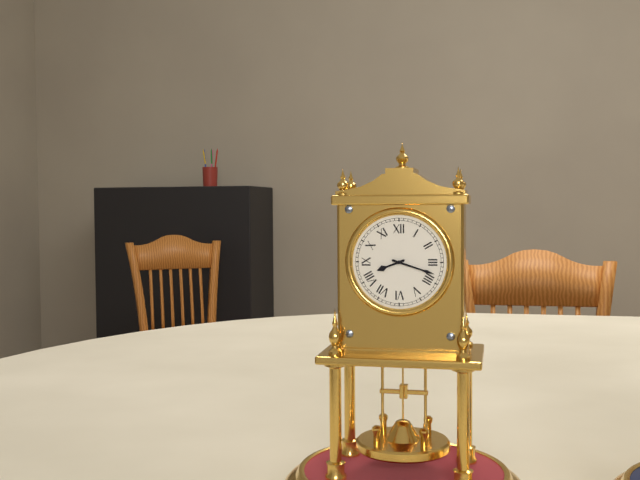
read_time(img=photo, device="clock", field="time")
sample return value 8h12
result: 8h18
